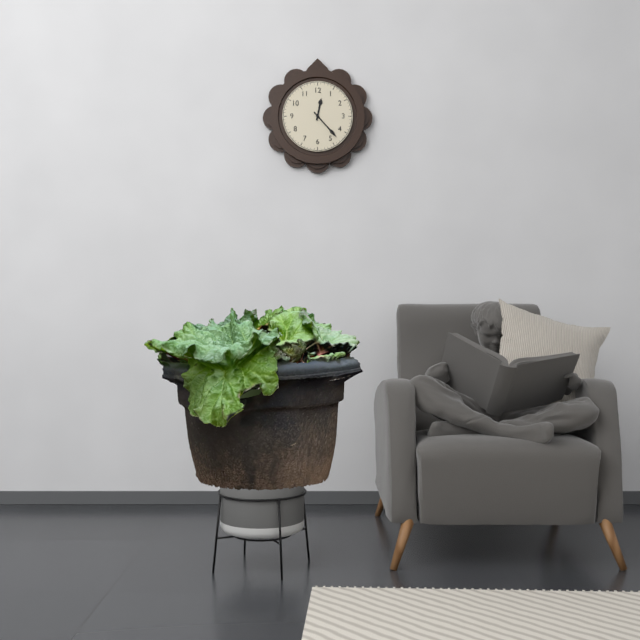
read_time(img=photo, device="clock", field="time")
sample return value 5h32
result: 12h23
